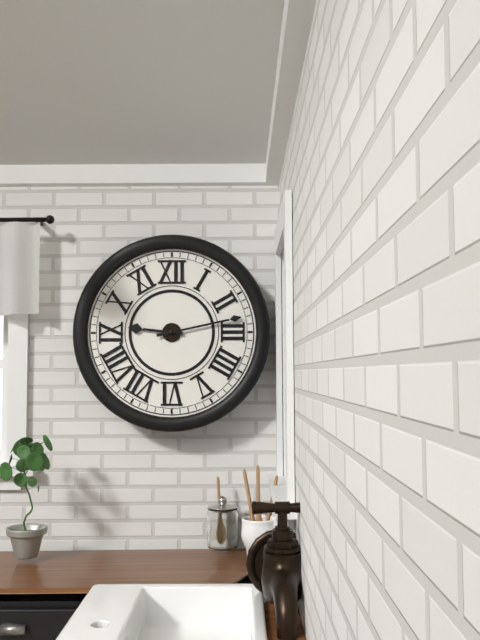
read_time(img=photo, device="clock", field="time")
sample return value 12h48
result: 9h13
